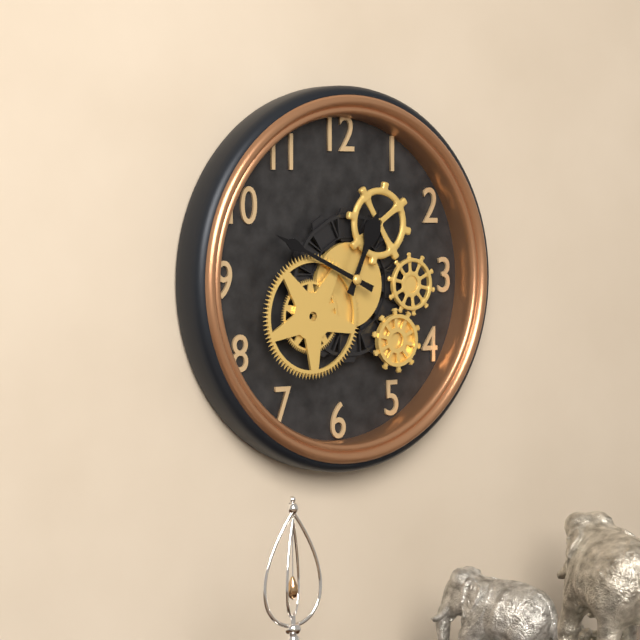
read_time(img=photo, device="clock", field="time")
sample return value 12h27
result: 12h49
